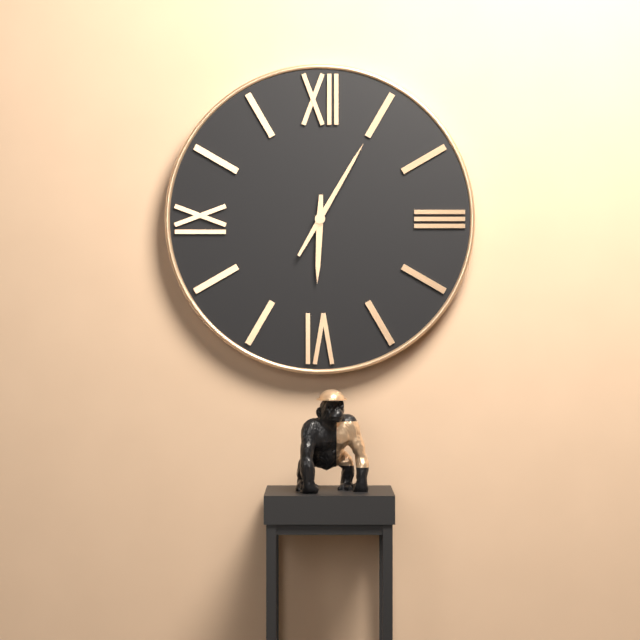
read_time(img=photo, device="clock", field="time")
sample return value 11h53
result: 6h05
